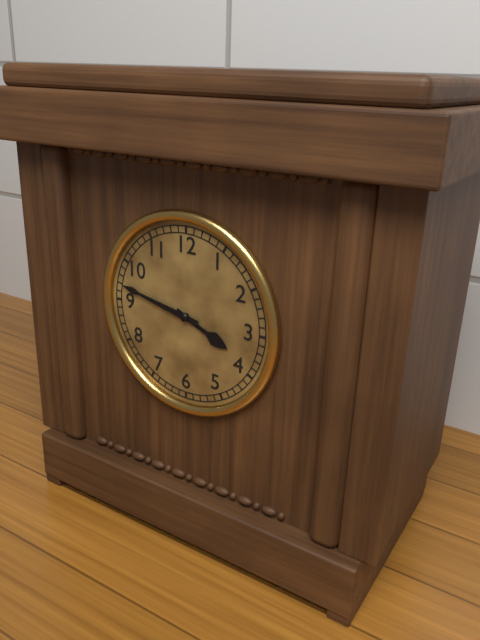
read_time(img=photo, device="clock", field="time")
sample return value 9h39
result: 3h47
